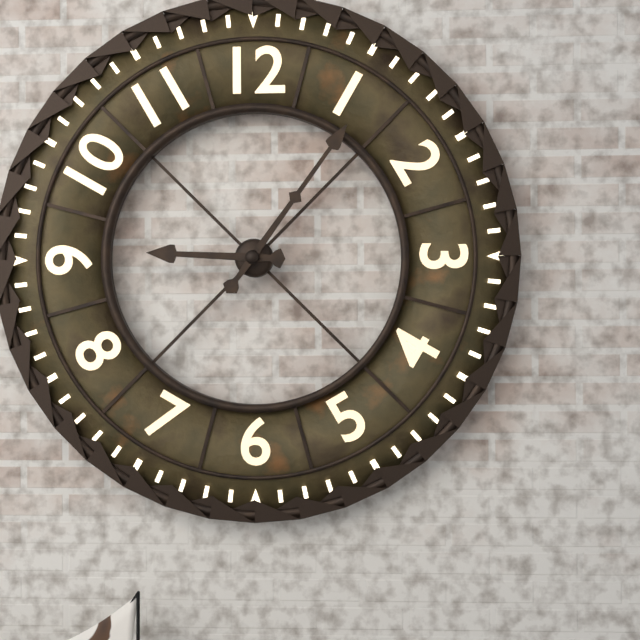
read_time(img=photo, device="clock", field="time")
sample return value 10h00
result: 9h06
